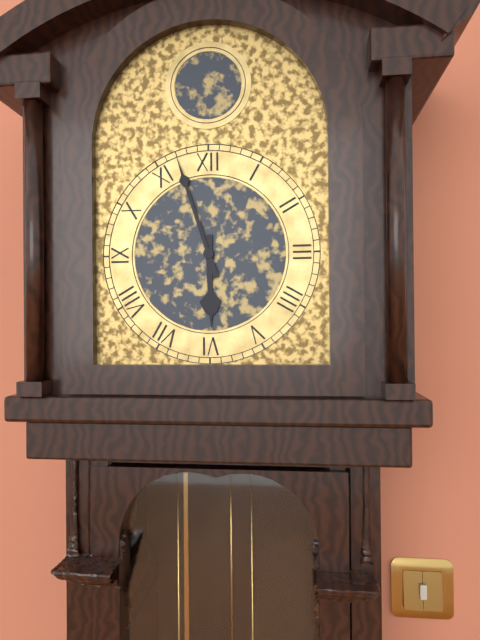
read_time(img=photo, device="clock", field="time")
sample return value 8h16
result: 5h57
